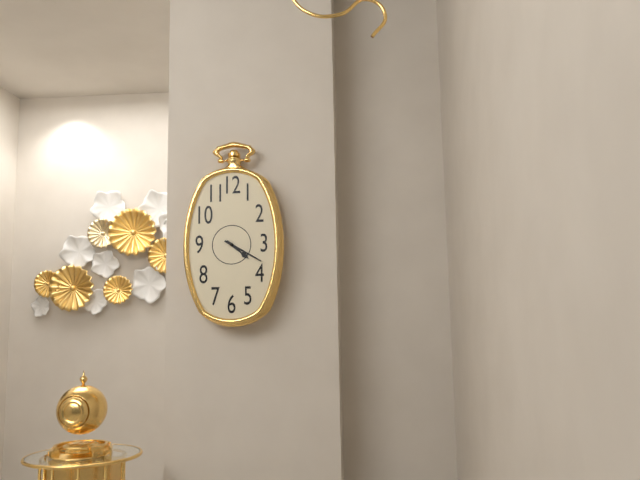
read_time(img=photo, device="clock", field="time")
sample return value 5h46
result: 4h20
